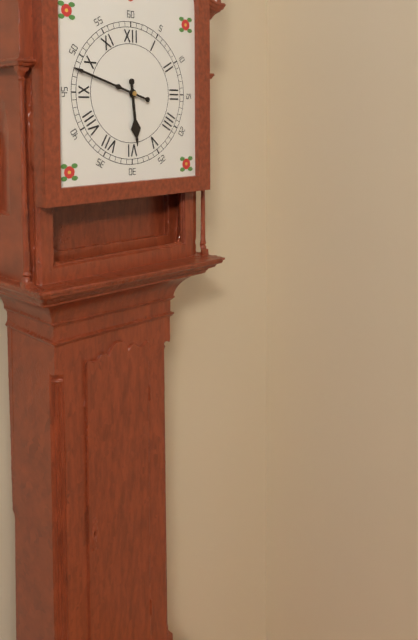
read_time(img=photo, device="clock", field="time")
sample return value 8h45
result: 5h48
